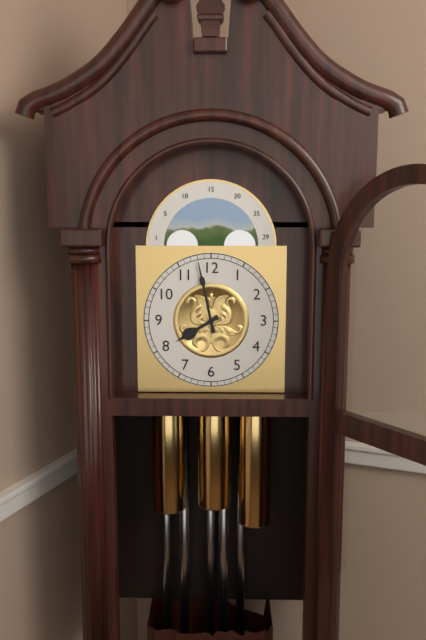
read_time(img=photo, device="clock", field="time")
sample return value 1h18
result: 7h58
